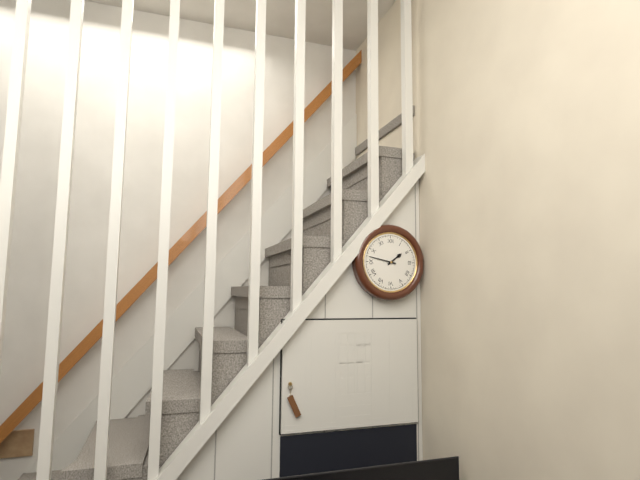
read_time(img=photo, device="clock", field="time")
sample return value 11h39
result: 1h47
